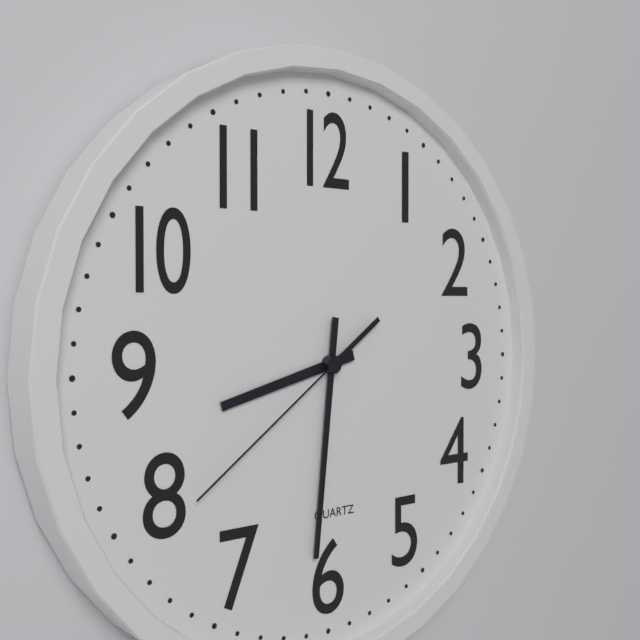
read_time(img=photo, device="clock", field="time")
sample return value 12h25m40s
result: 8h31m39s
